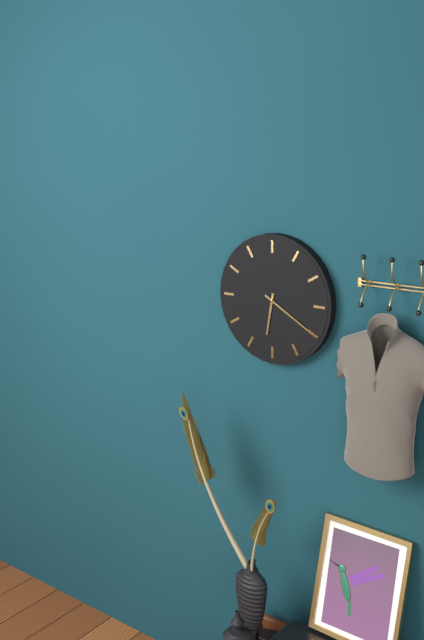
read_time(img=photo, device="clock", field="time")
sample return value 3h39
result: 6h20
